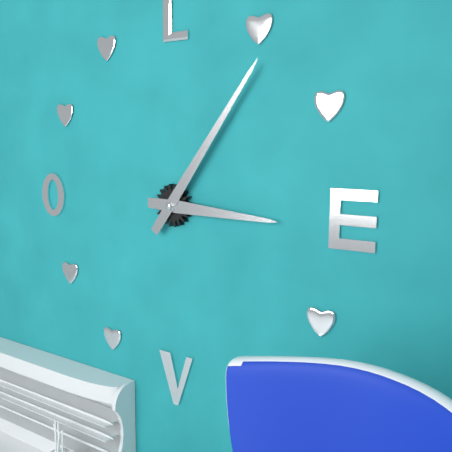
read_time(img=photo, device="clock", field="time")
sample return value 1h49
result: 3h06
